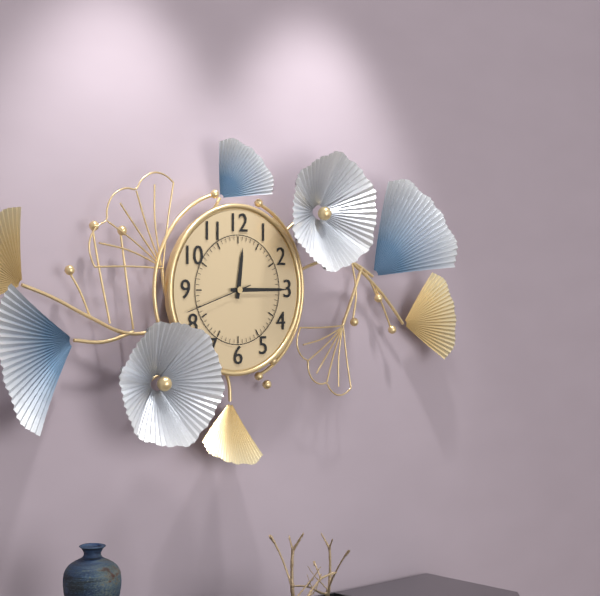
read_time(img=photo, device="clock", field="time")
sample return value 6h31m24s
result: 12h15m42s
